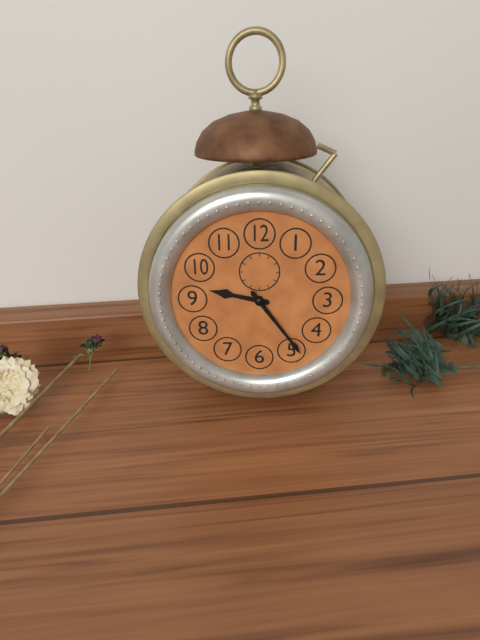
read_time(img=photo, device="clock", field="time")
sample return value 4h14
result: 9h24
